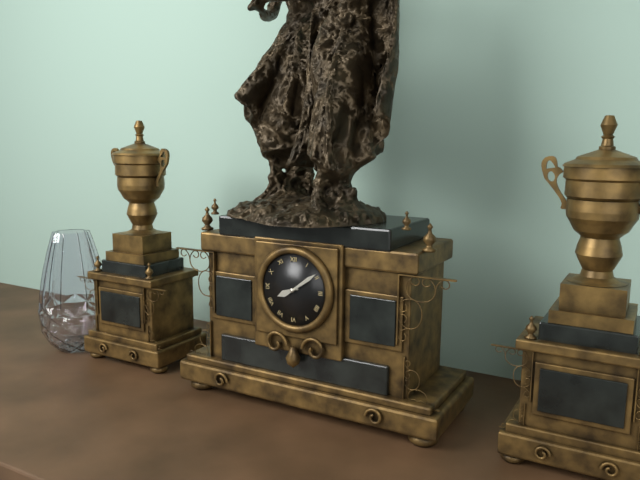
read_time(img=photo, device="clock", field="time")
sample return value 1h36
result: 8h09
